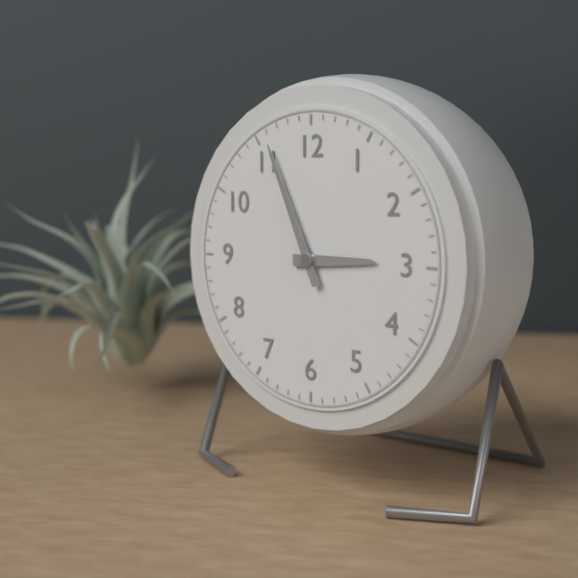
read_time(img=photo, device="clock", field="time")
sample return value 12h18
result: 2h56
